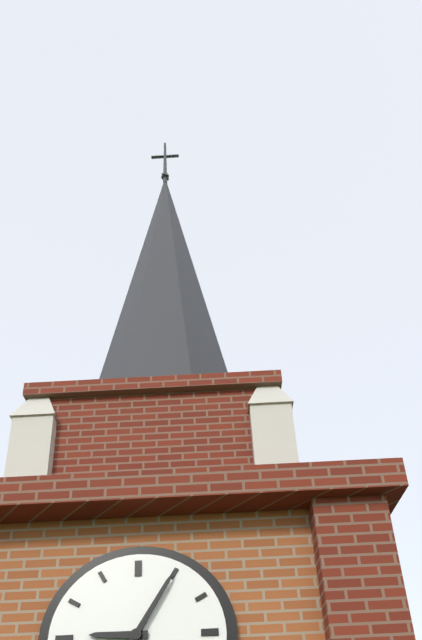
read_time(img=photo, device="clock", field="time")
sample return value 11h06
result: 9h05
